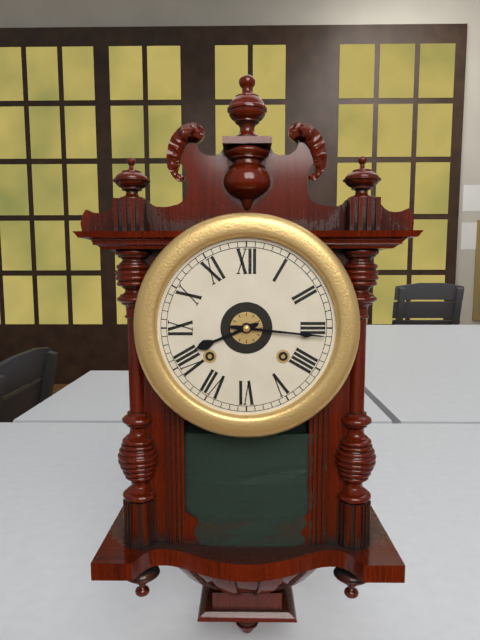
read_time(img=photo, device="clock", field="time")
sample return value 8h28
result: 8h16
